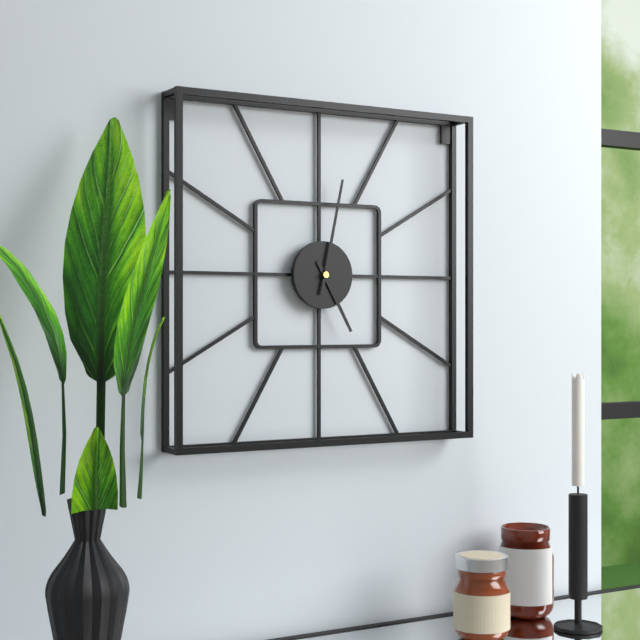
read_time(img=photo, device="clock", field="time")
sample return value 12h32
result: 5h02
